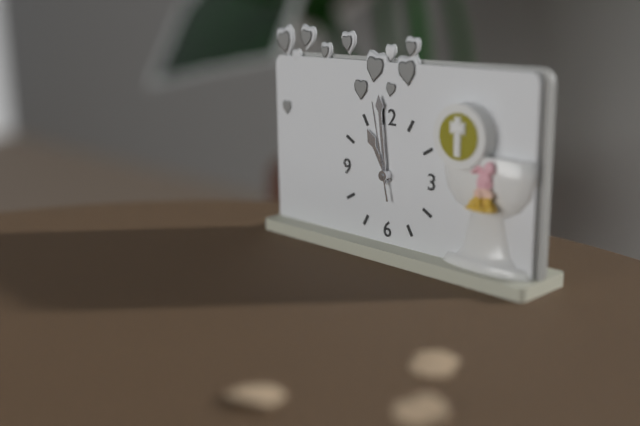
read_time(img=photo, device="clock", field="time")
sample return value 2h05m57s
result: 10h59m58s
